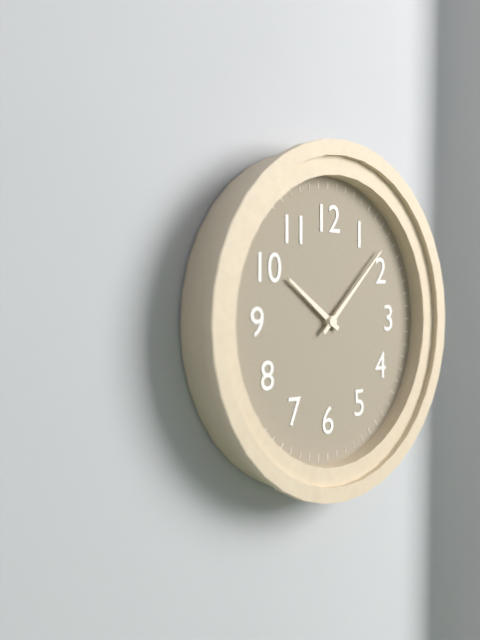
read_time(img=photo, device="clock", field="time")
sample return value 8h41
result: 10h08
